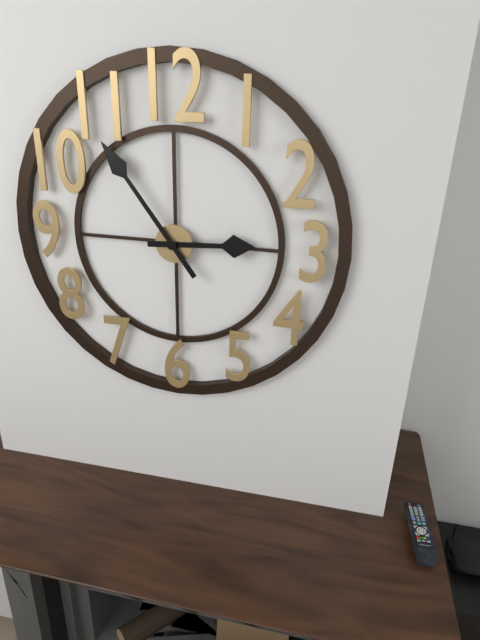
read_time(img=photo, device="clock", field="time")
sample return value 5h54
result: 2h54
